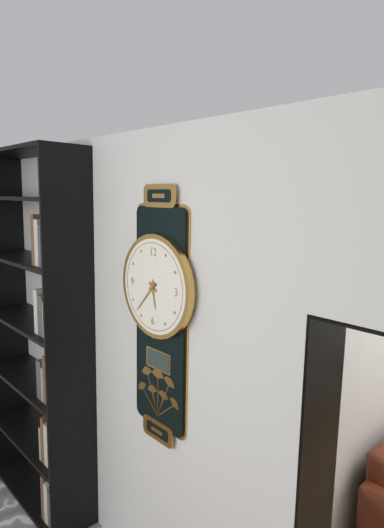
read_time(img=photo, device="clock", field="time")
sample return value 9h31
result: 5h37
